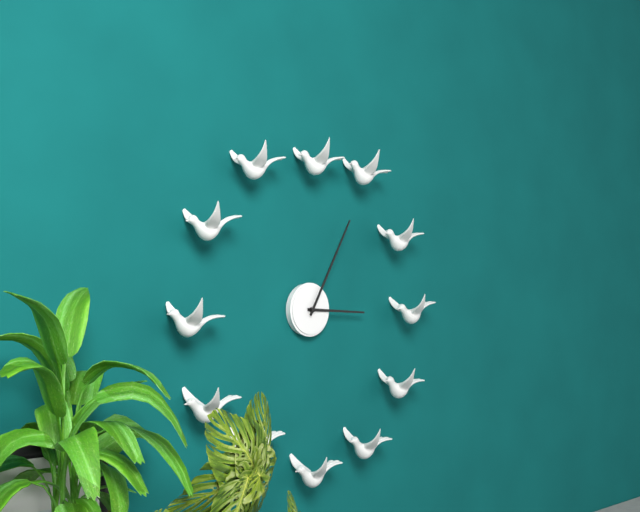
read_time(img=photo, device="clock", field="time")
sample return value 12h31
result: 3h05
